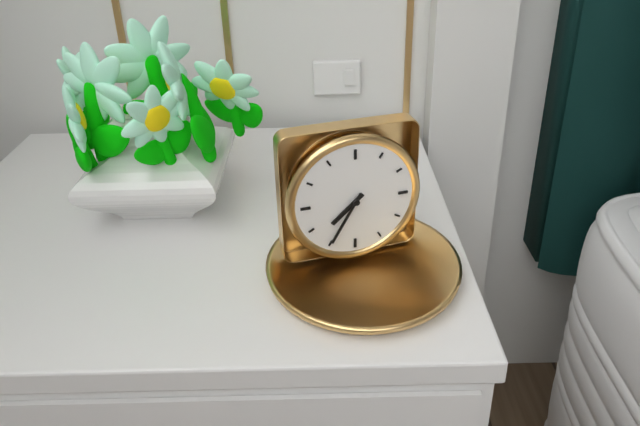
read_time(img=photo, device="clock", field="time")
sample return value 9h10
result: 7h35
